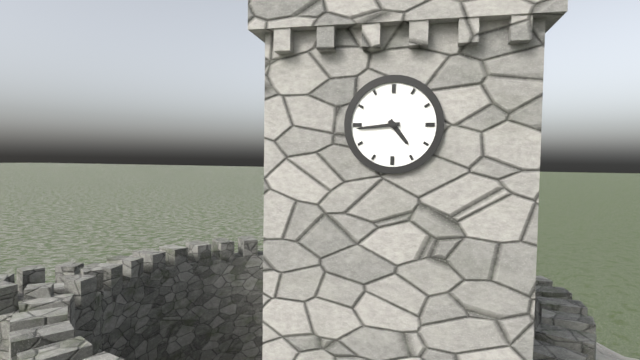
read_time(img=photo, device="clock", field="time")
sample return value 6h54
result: 4h44
